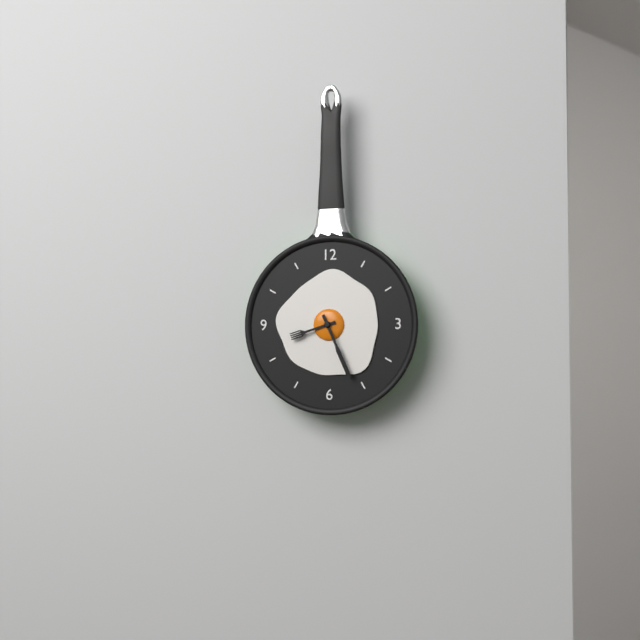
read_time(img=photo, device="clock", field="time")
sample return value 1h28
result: 8h26
